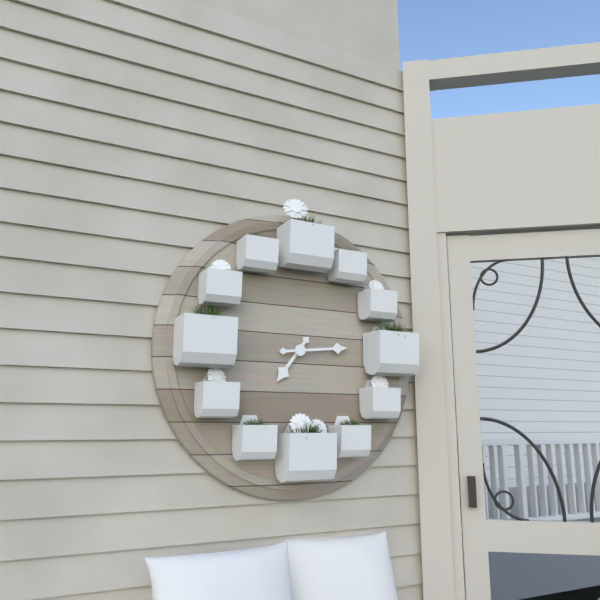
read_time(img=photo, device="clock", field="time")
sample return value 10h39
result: 7h14
